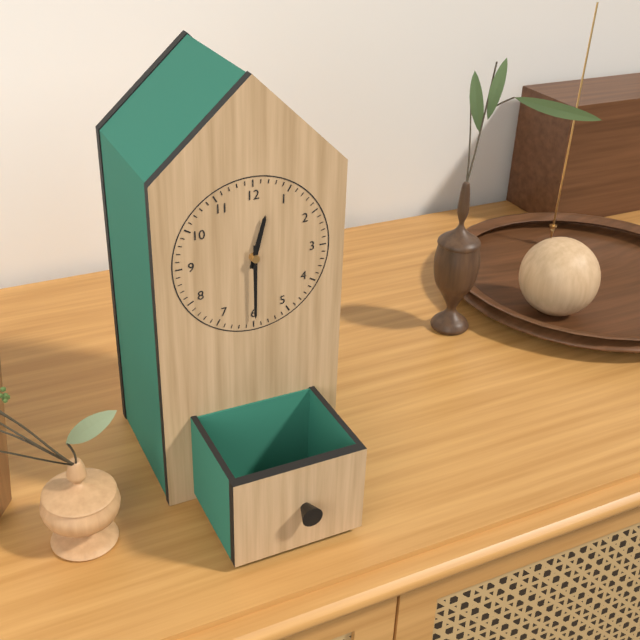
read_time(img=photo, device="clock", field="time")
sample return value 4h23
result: 12h30
